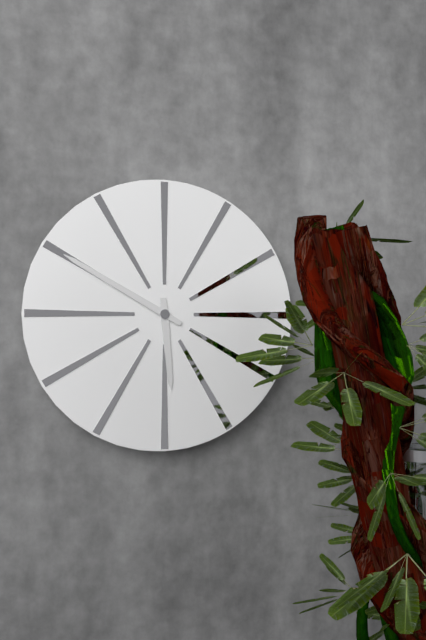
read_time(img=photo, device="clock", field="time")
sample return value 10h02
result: 5h50
